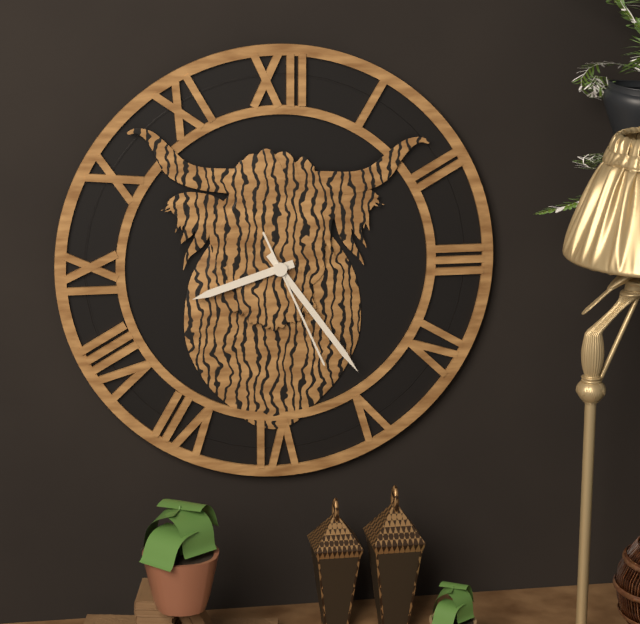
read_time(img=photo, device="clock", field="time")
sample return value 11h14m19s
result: 8h24m26s
